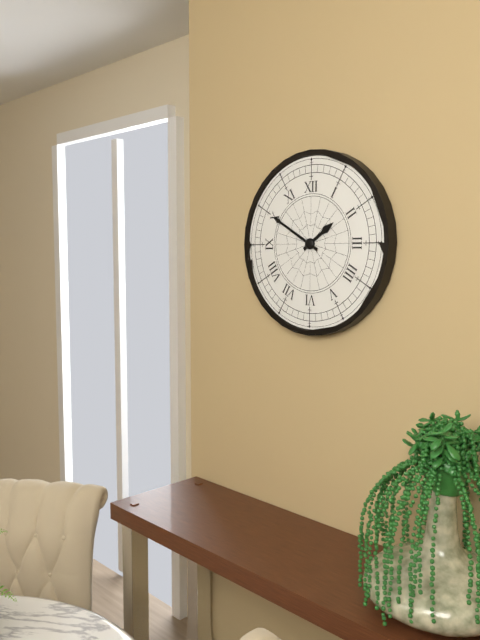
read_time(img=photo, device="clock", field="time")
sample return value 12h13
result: 1h50
